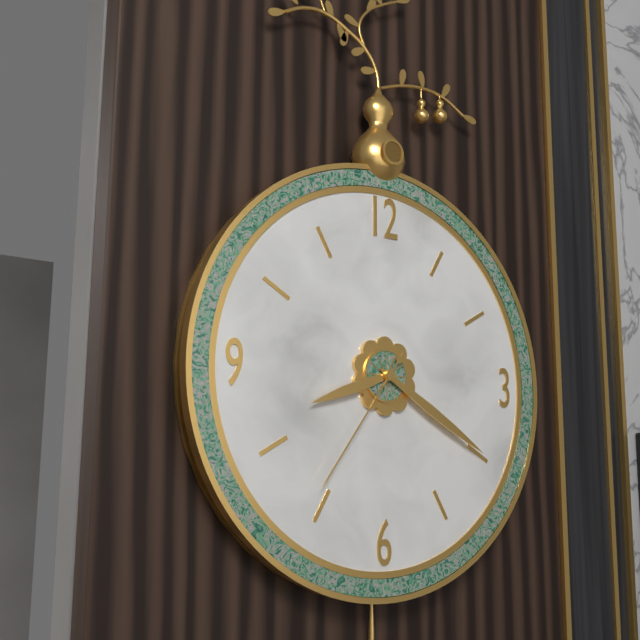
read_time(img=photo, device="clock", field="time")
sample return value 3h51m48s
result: 8h20m36s
